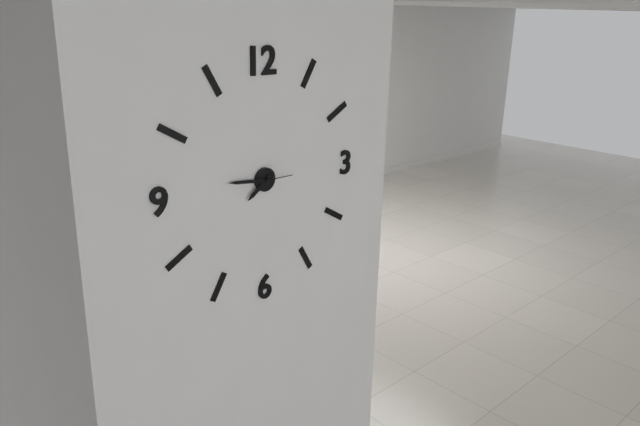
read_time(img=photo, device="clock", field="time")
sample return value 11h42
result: 7h46
